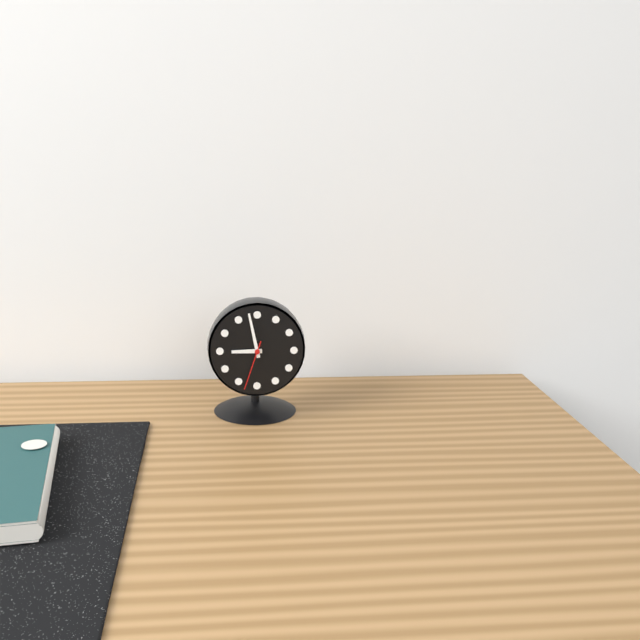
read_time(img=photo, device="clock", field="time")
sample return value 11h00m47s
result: 8h58m33s
